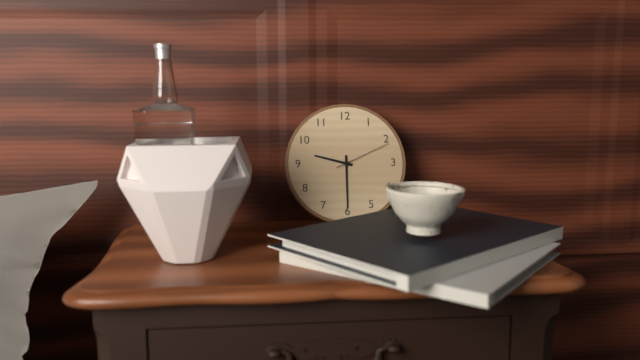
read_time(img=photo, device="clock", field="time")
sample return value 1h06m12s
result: 9h30m11s
